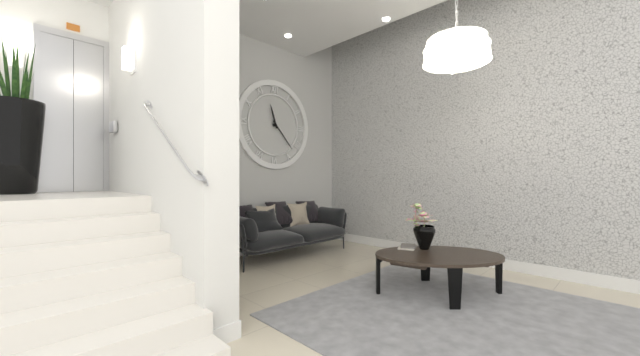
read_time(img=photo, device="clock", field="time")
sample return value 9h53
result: 11h23
